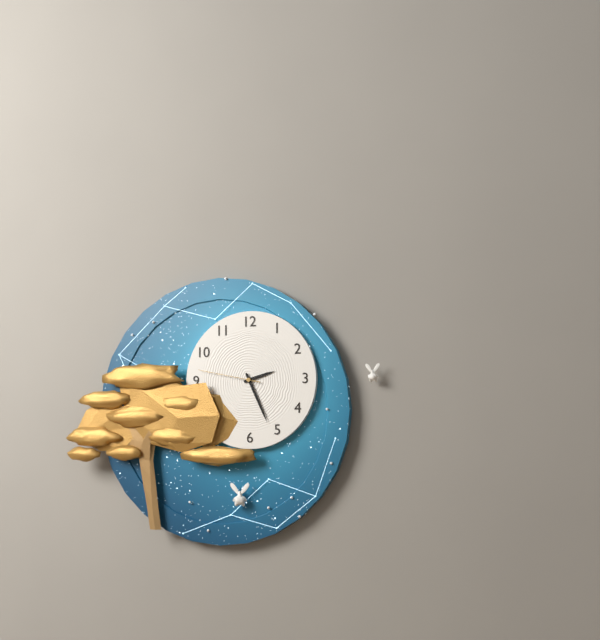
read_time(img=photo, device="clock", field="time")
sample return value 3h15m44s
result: 2h26m47s
